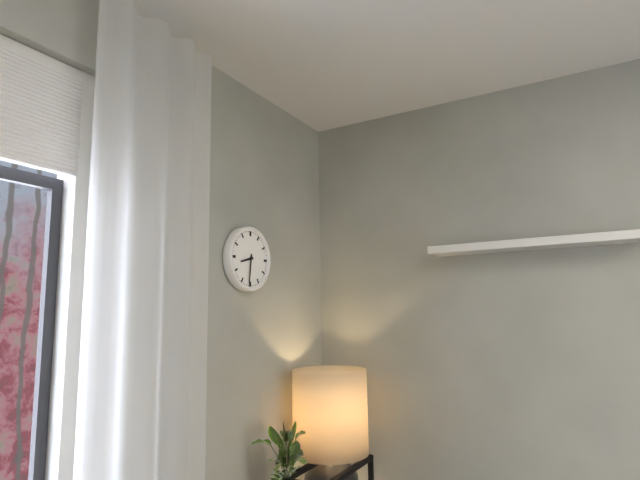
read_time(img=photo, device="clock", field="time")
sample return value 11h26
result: 8h31
